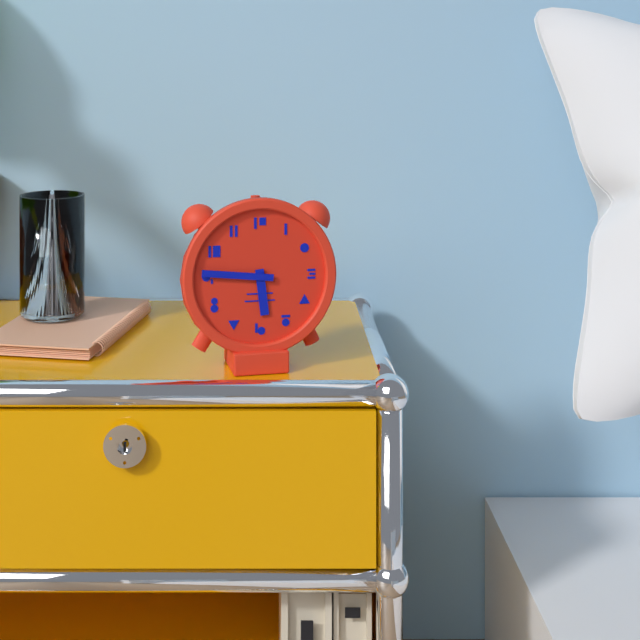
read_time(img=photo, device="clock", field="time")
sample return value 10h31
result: 5h46
